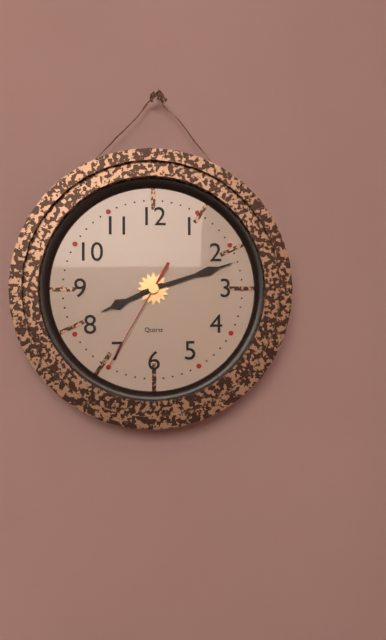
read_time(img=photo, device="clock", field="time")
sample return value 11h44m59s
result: 8h12m35s
